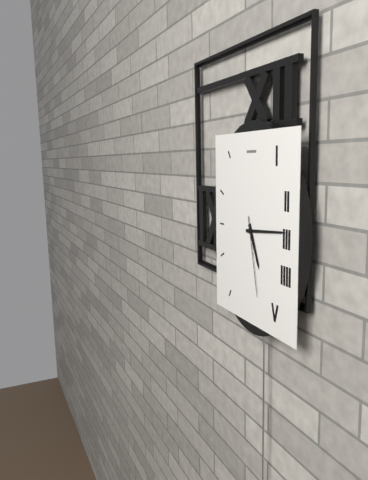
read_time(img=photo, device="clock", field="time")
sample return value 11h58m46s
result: 5h14m28s
